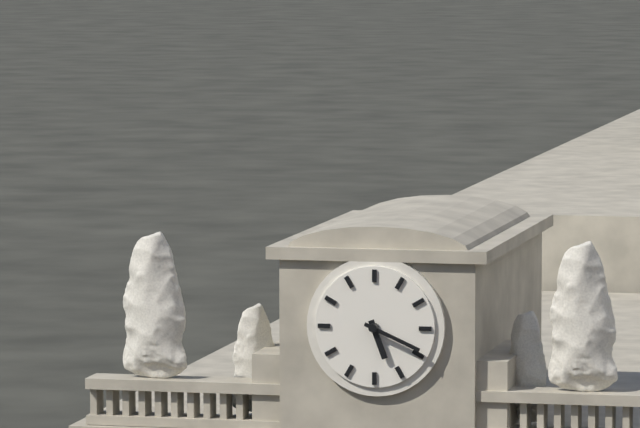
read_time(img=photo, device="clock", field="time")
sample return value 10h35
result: 5h19
